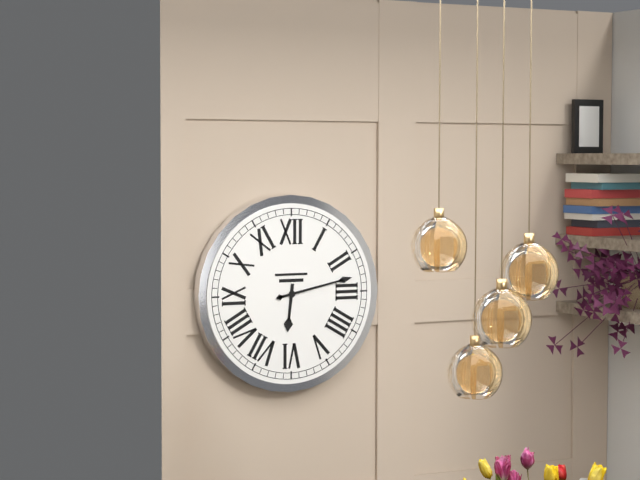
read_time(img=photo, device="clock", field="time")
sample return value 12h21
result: 6h13
